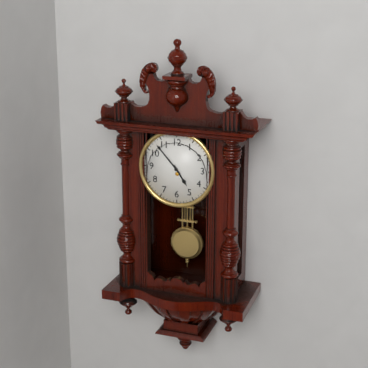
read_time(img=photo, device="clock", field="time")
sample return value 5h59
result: 4h53
